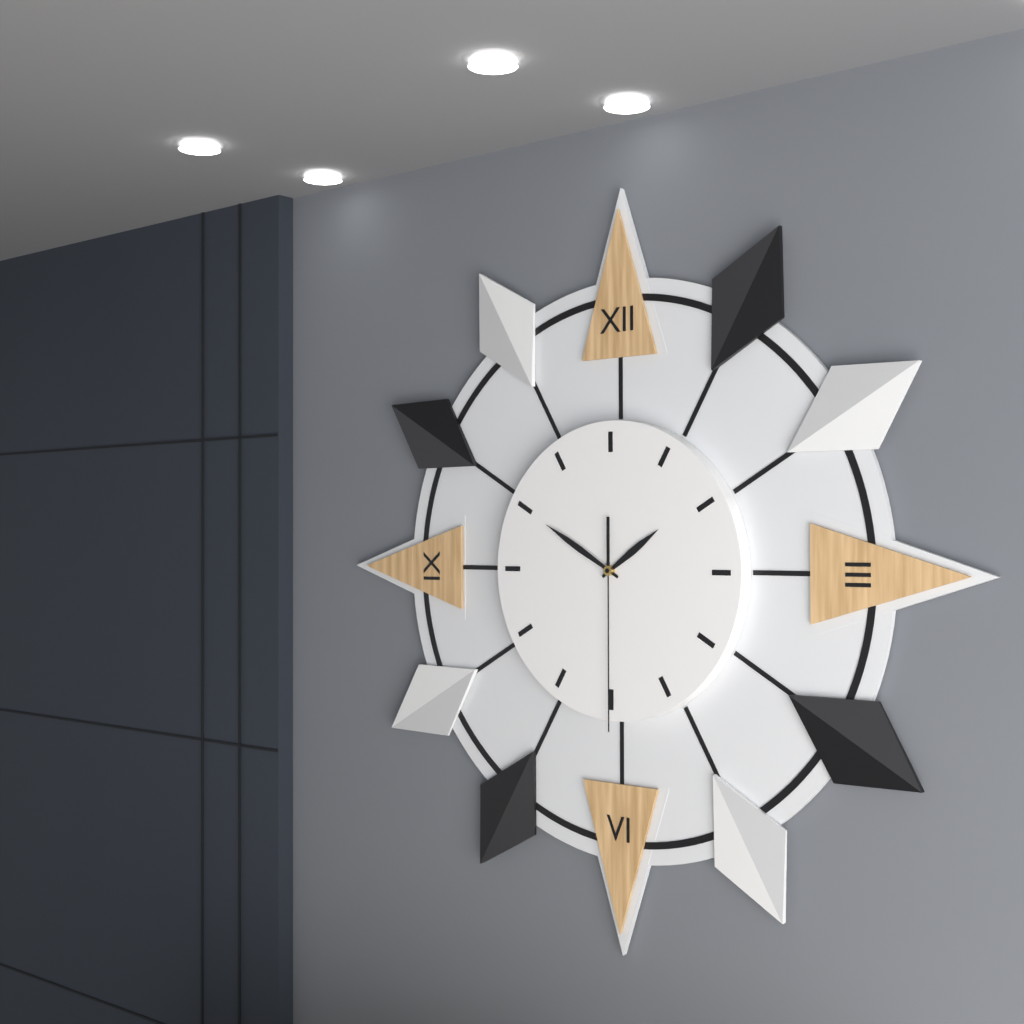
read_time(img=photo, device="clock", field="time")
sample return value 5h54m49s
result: 1h50m30s
